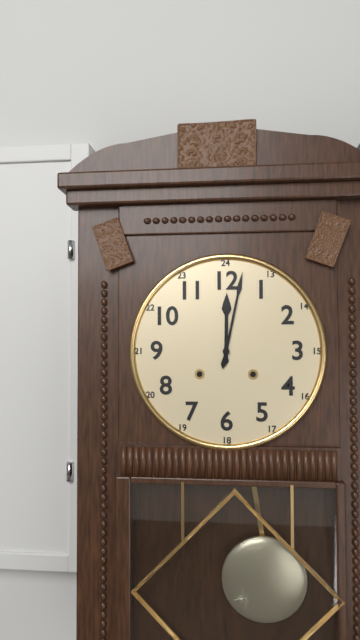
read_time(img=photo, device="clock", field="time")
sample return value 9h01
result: 12h02
